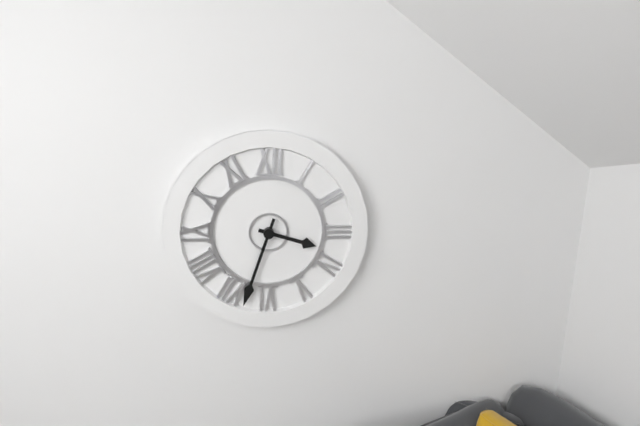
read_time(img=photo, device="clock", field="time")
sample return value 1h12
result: 3h33
